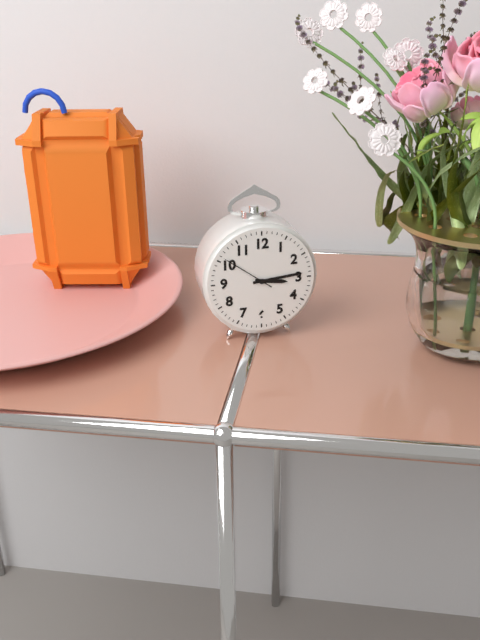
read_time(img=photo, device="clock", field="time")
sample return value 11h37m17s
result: 3h14m51s
